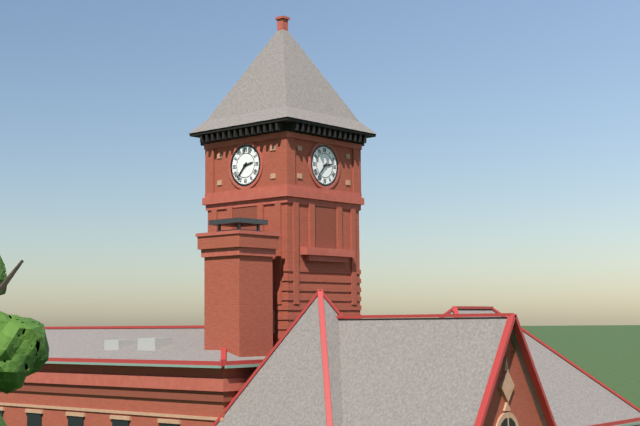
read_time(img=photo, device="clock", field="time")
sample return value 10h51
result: 2h37
